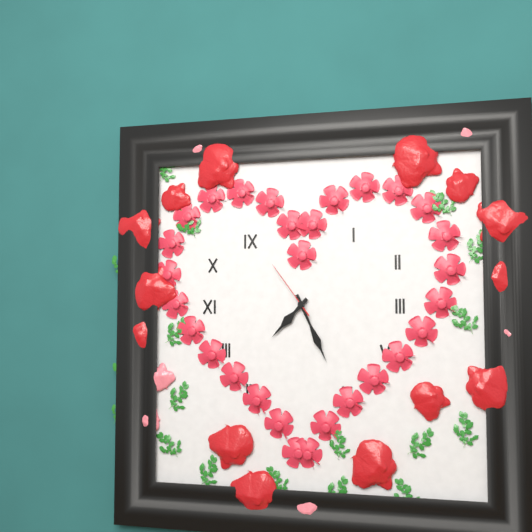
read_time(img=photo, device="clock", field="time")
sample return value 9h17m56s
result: 7h26m54s
